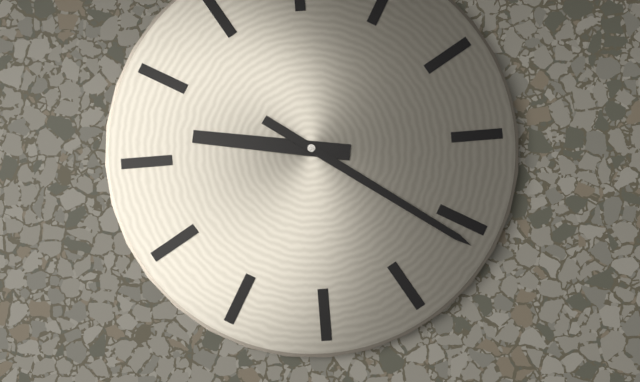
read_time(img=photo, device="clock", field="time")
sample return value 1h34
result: 9h21
